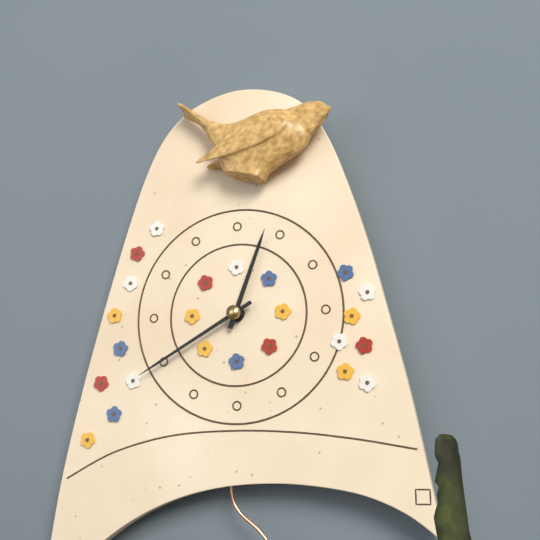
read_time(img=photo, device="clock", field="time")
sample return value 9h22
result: 12h40
